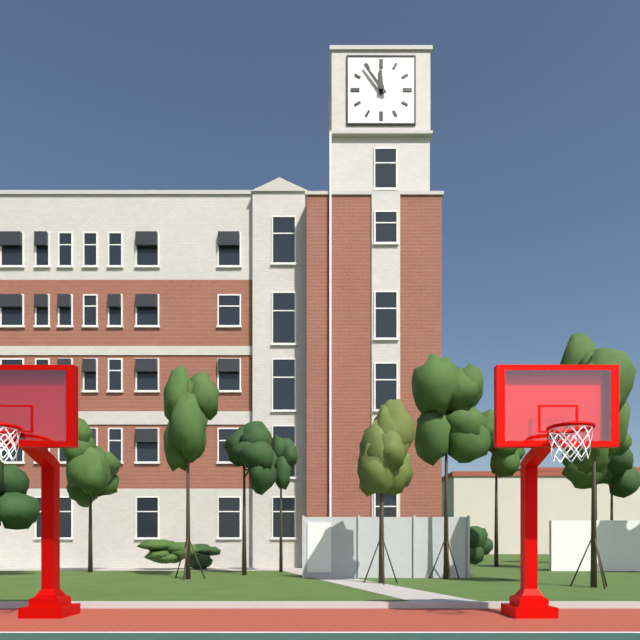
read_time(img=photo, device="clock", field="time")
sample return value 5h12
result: 11h54
